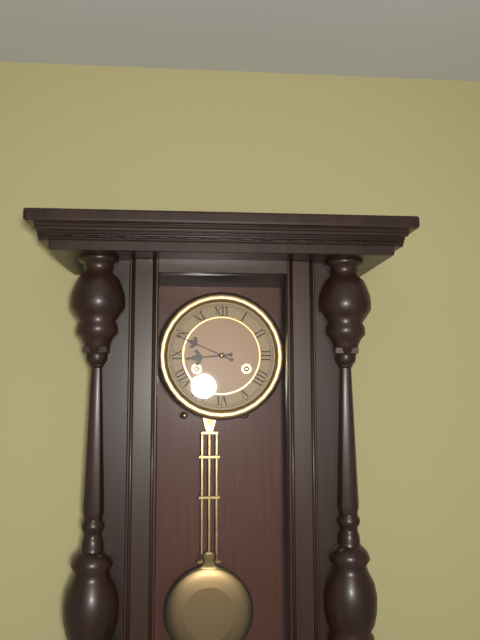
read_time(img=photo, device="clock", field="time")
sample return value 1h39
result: 8h49
